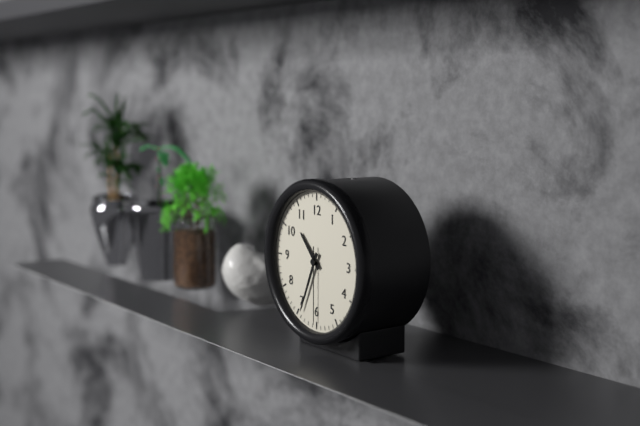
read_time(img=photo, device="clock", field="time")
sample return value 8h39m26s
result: 10h34m30s
